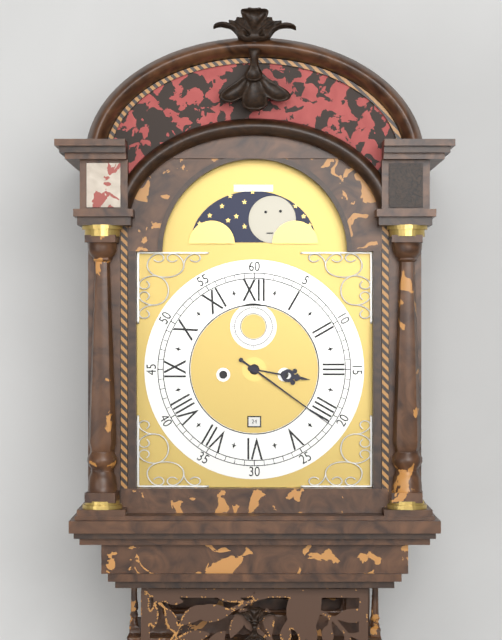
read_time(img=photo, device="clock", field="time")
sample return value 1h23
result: 3h21
